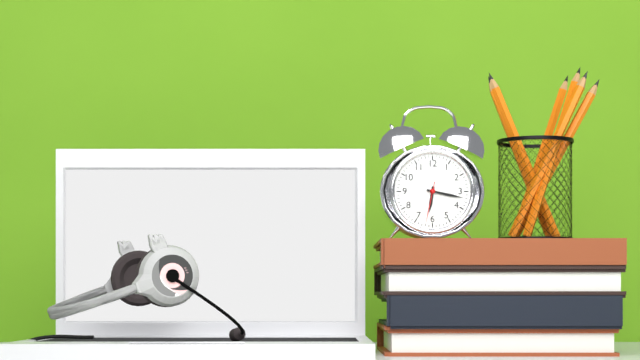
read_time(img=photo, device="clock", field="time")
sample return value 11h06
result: 6h17
